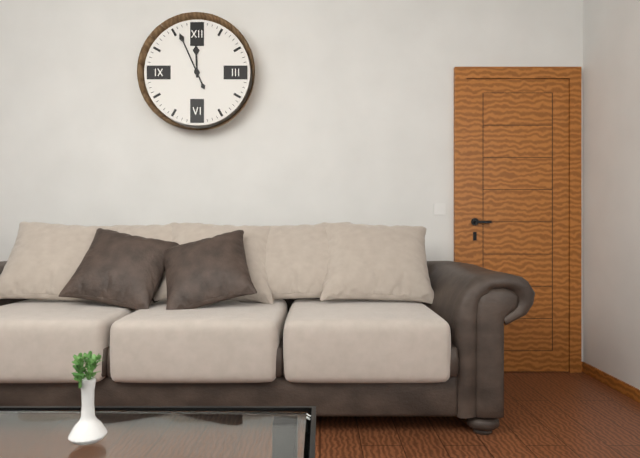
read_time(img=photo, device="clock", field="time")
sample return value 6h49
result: 11h56
